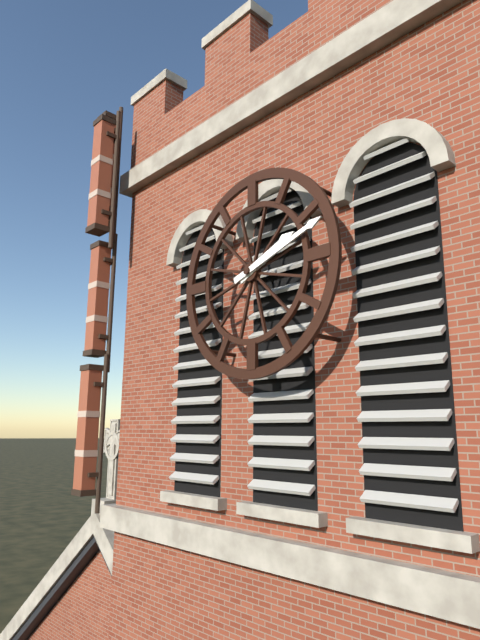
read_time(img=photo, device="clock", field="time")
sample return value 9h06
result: 2h12
